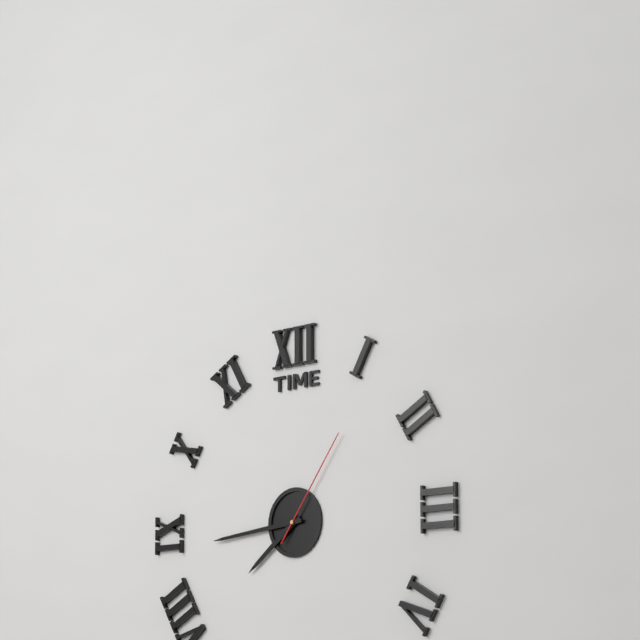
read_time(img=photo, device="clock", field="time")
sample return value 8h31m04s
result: 7h44m06s
